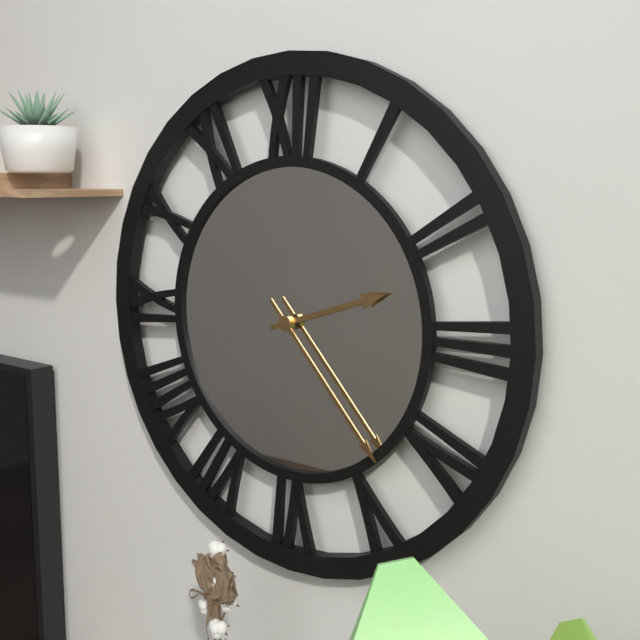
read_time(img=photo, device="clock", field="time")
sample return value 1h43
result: 2h23
